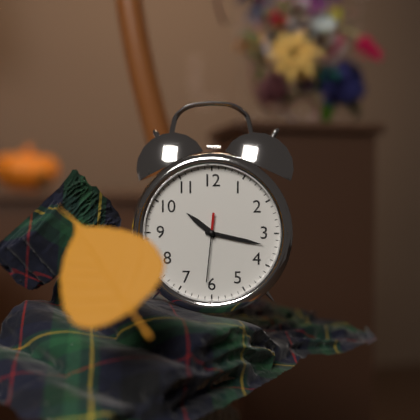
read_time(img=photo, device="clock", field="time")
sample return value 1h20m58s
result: 10h17m31s
